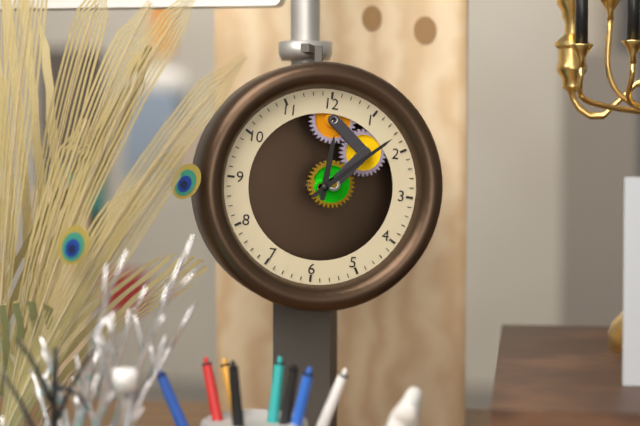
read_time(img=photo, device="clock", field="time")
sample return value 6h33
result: 12h08
